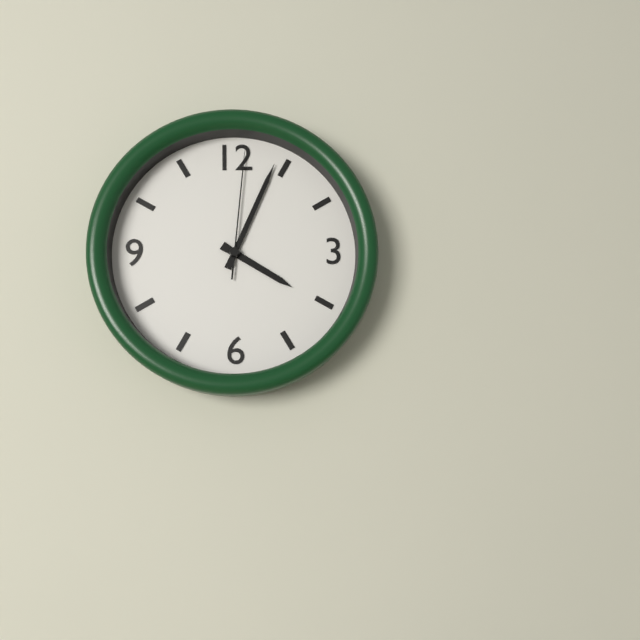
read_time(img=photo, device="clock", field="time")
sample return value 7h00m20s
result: 4h04m01s
